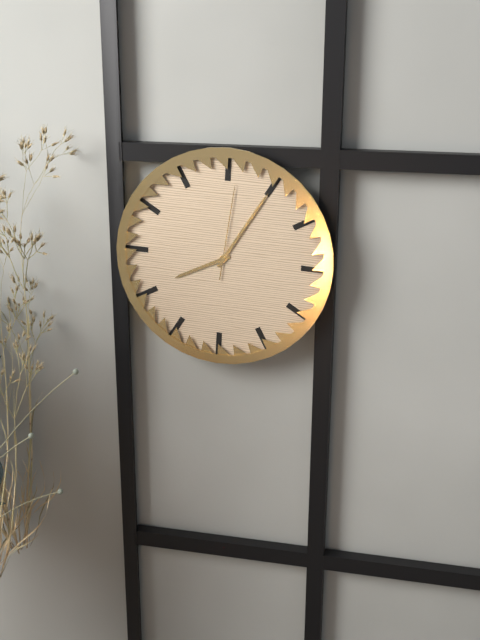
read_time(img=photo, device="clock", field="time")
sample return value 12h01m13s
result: 8h05m01s
